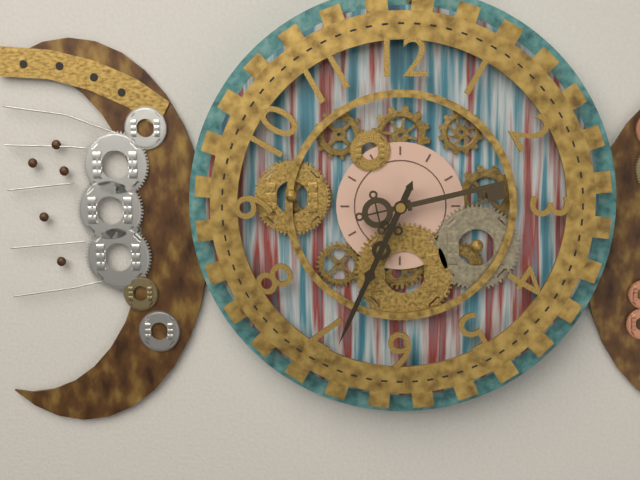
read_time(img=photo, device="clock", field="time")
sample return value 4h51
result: 2h34
